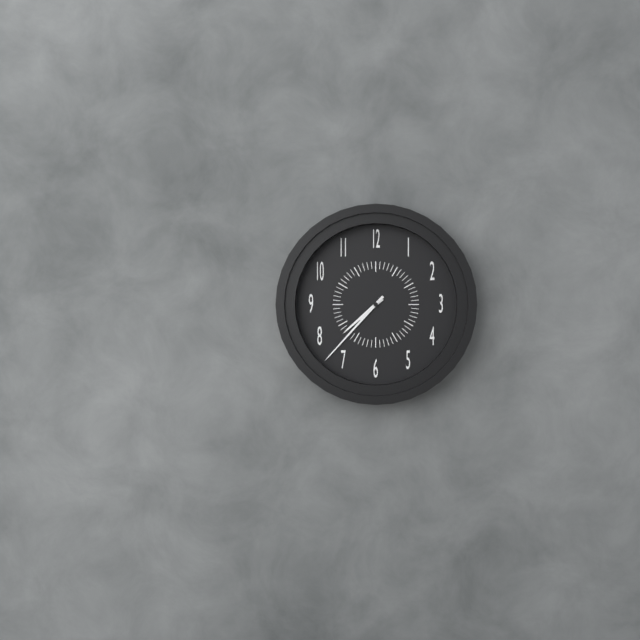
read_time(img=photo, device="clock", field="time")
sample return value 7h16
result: 7h37
